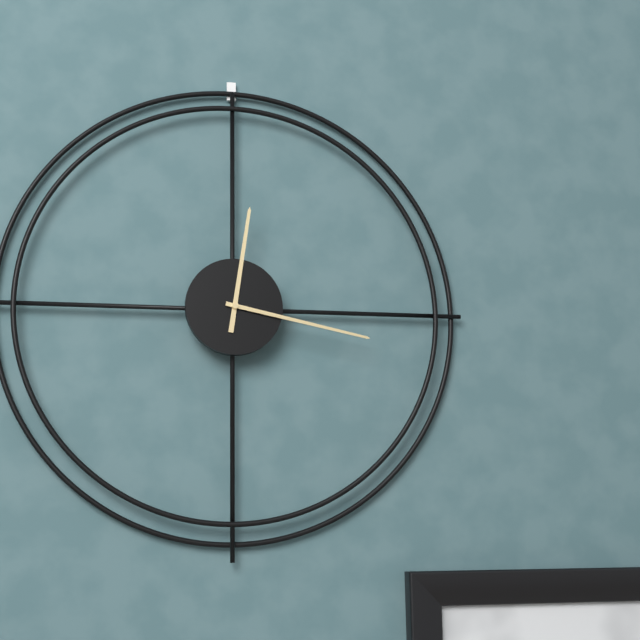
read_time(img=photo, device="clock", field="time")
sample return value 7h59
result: 12h17
